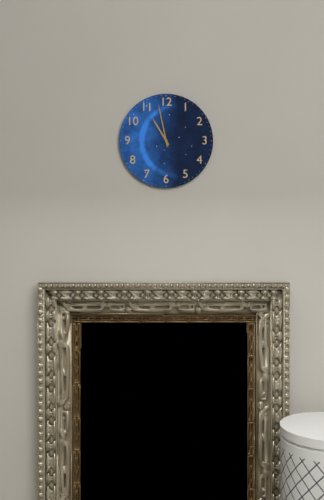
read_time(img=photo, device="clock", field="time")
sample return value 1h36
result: 10h58
